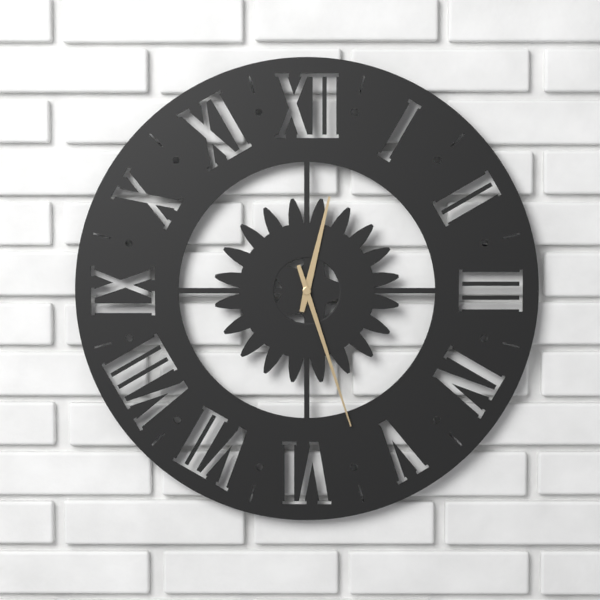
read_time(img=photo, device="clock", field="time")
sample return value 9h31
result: 12h27
